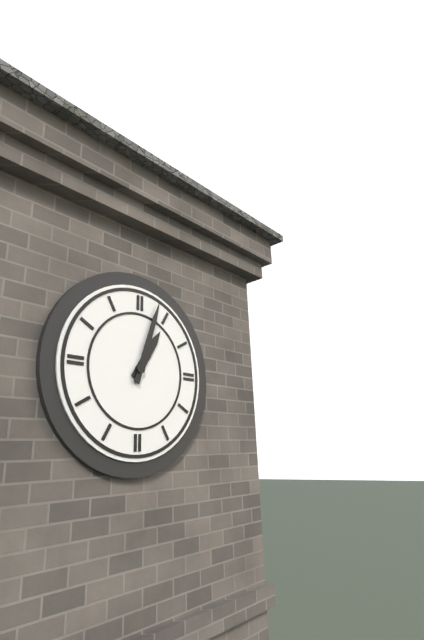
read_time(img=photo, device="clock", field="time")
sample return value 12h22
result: 1h03
